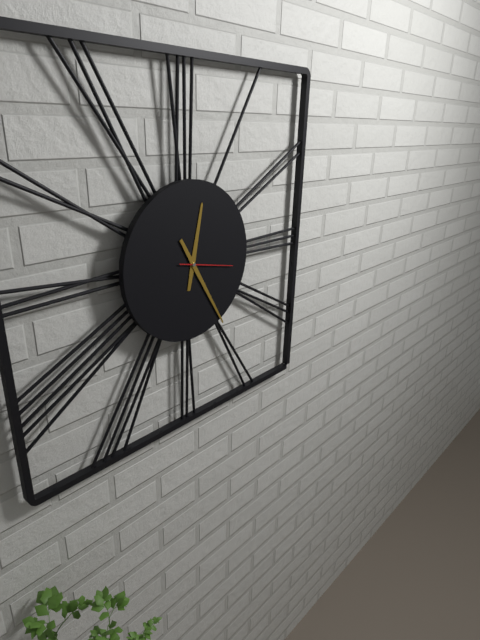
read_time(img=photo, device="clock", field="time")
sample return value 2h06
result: 12h25
